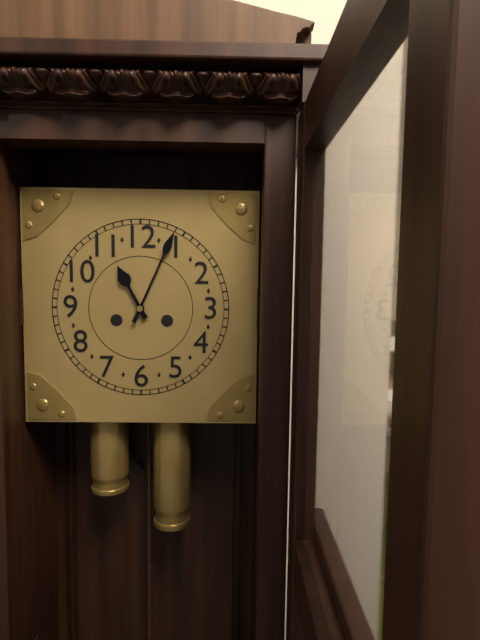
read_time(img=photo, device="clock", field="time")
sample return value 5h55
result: 11h04
